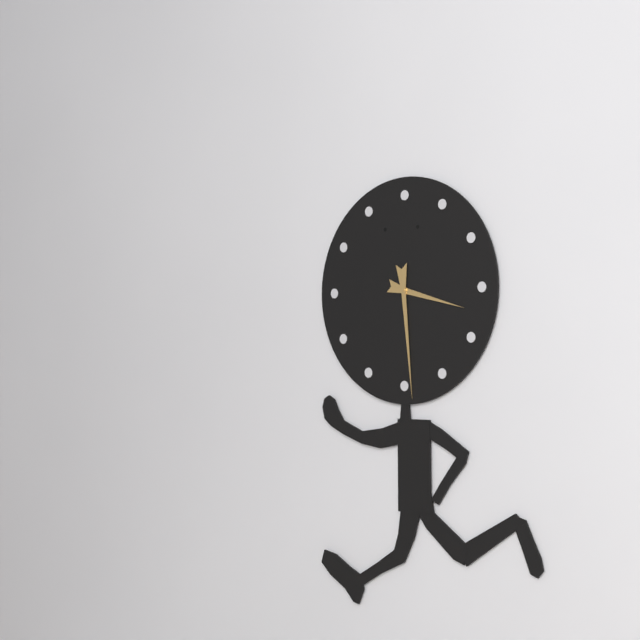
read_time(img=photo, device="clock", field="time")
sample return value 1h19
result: 3h29
